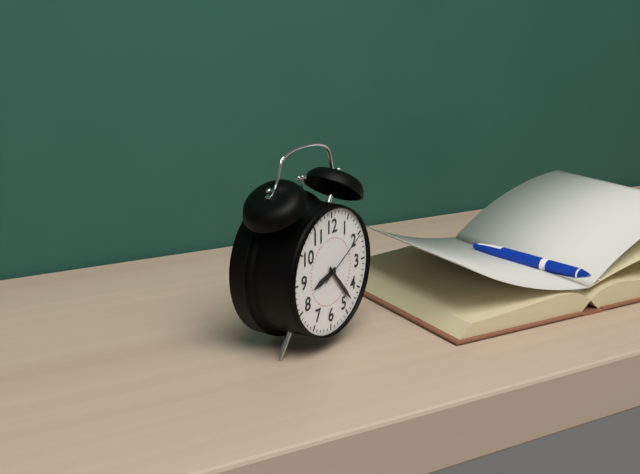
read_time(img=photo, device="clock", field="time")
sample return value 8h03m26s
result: 8h23m10s
